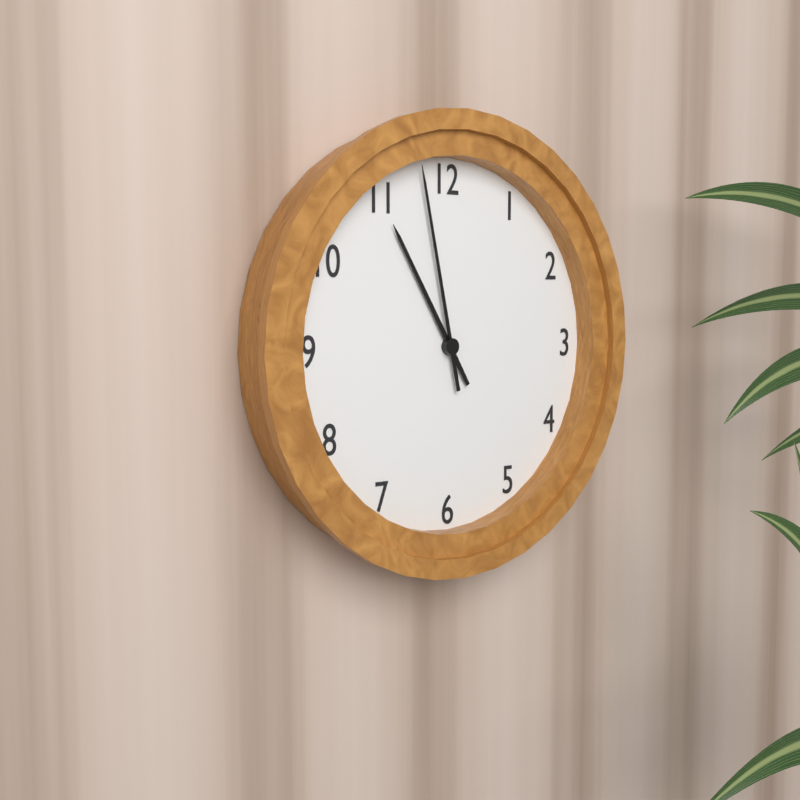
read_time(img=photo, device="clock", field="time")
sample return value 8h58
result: 10h58
